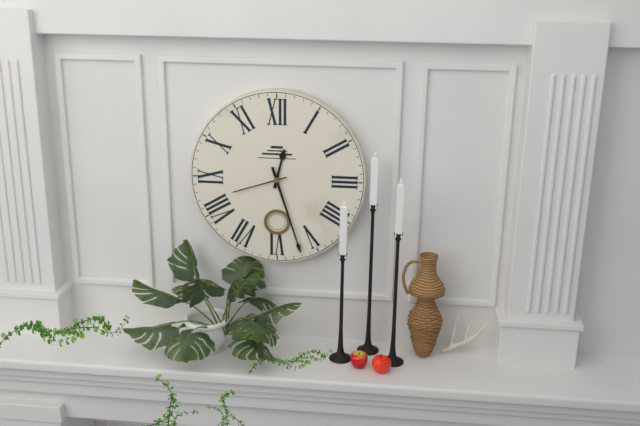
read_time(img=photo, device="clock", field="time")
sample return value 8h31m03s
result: 12h27m42s
